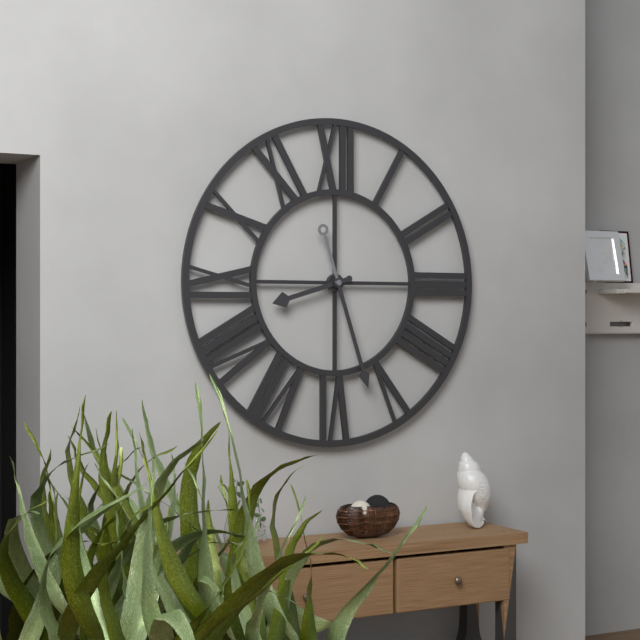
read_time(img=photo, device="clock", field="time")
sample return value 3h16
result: 8h27
